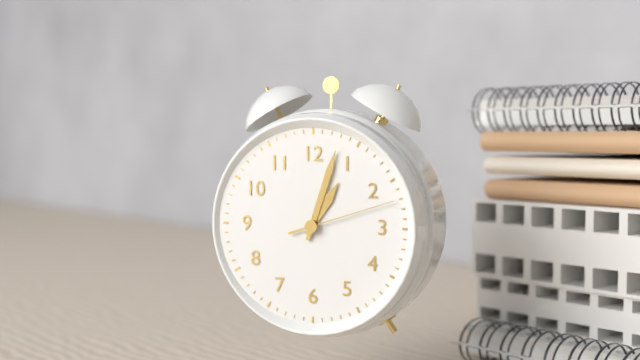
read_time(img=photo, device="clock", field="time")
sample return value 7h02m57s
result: 1h03m12s
